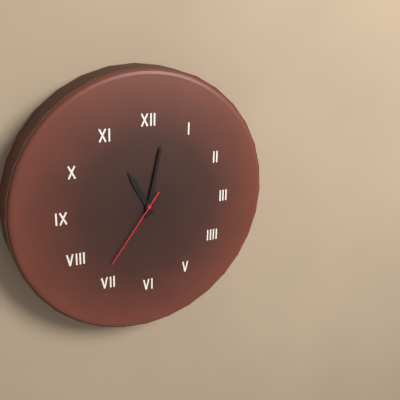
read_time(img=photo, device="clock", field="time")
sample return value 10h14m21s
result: 11h02m36s
